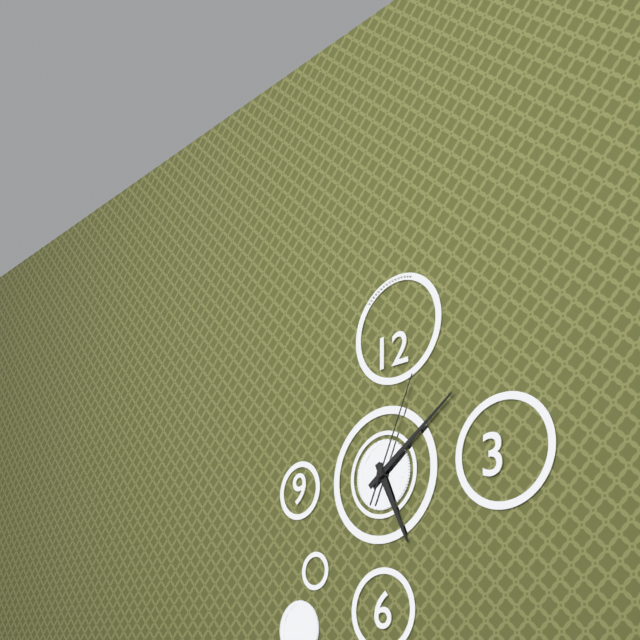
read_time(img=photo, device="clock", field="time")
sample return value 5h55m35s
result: 5h09m04s
